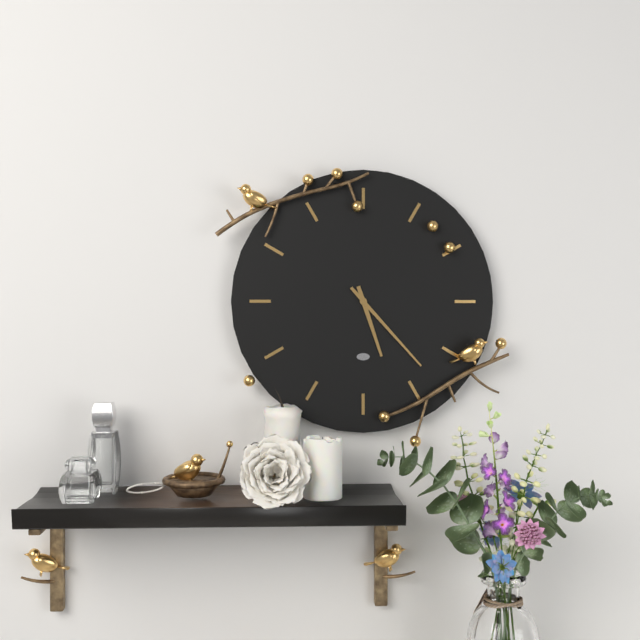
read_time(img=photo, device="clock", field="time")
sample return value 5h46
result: 5h23
